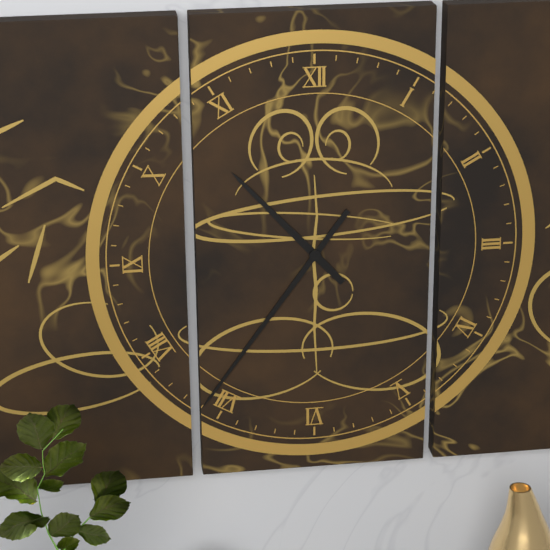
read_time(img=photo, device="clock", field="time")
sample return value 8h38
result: 10h36
